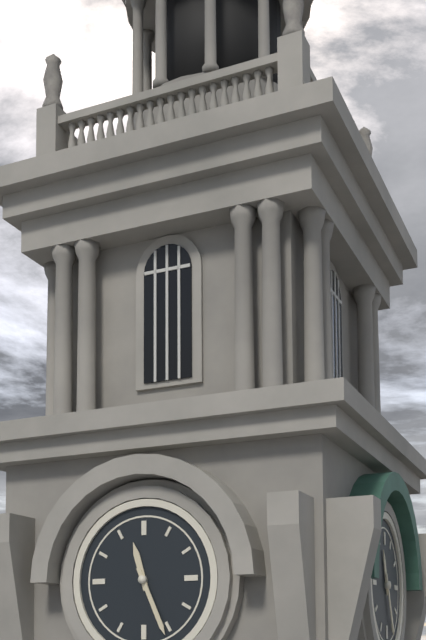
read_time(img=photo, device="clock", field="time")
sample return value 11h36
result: 11h26
